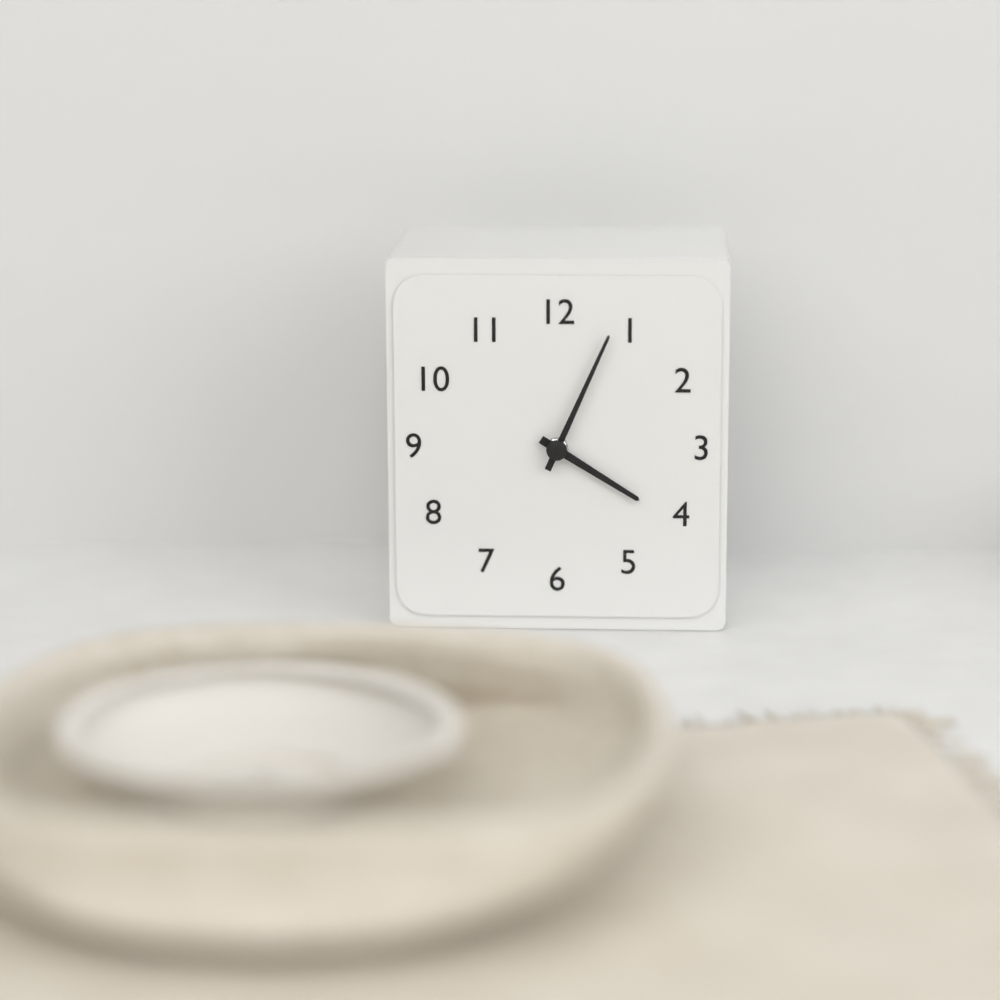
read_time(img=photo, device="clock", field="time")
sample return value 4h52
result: 4h04
